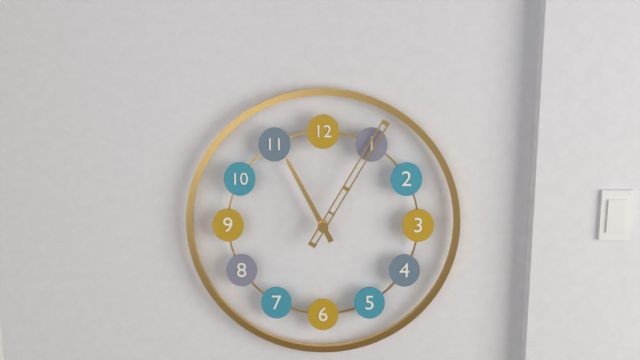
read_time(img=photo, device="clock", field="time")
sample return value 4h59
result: 11h05
